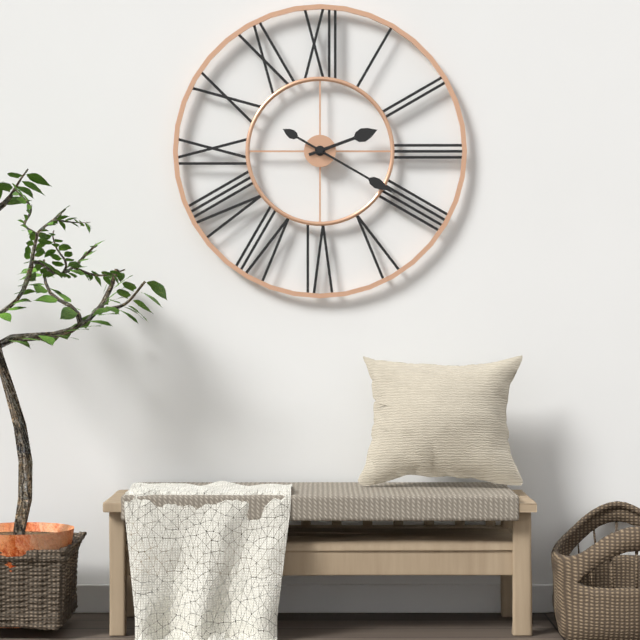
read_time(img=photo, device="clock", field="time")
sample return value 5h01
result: 2h20
